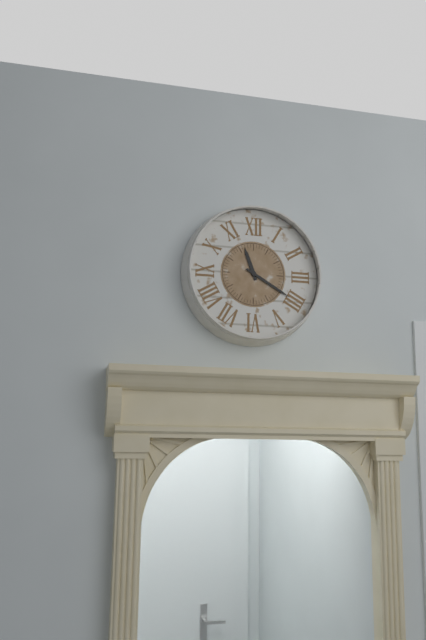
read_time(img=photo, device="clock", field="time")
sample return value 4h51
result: 11h20
